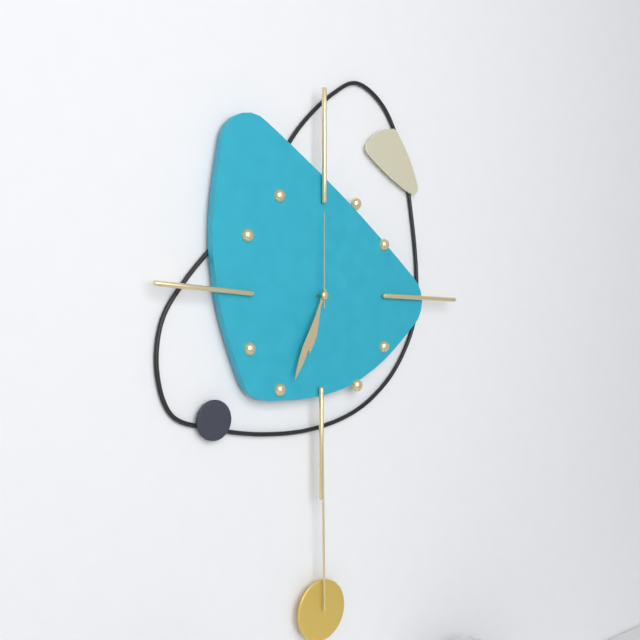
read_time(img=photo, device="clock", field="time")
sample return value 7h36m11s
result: 6h34m00s
